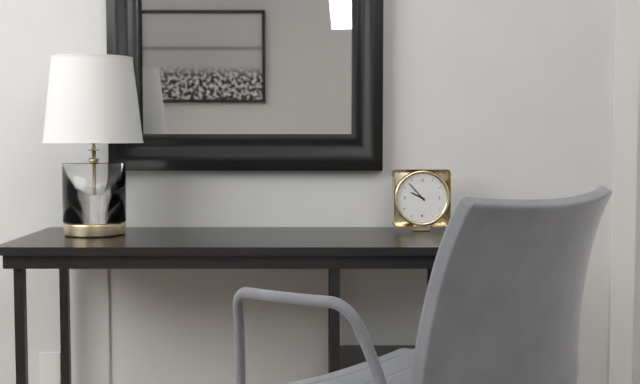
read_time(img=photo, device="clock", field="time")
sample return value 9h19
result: 9h53
